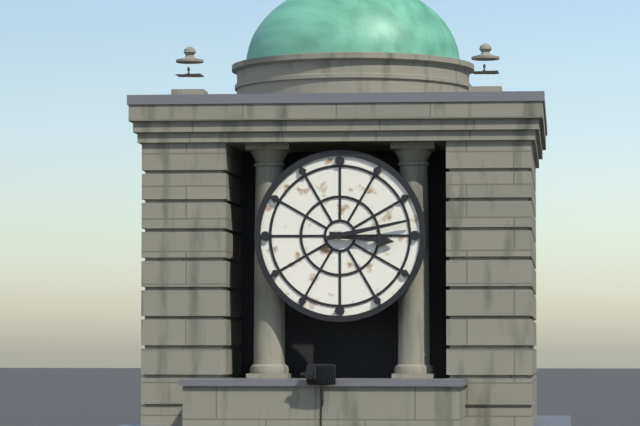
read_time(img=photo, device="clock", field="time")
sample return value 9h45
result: 3h13
